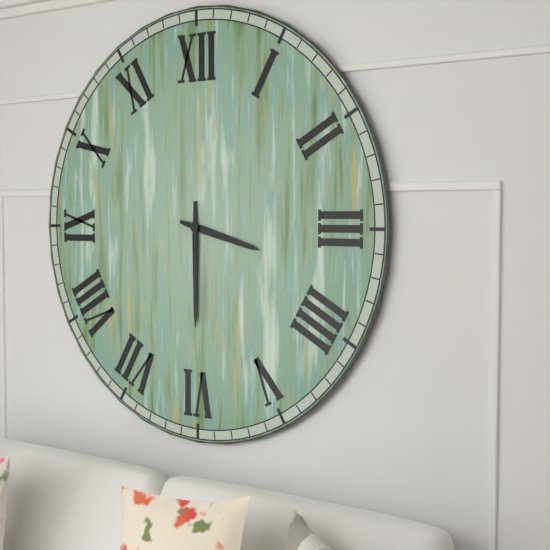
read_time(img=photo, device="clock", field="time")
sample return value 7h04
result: 3h30
